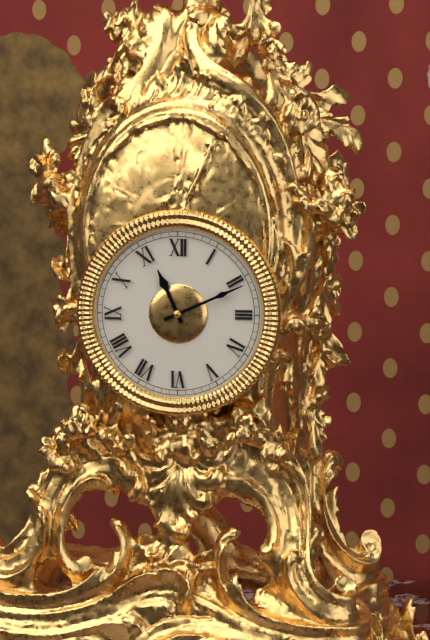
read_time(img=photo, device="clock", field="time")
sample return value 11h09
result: 11h11
